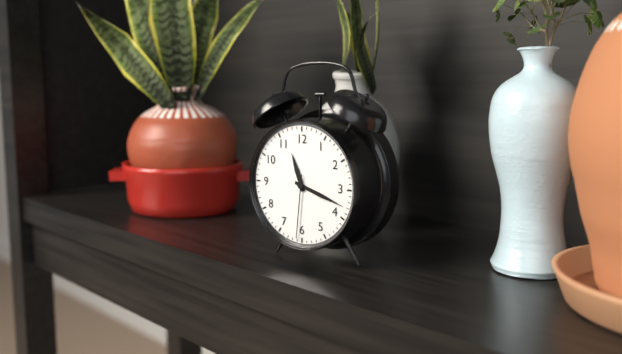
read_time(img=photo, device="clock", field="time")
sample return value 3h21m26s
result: 11h18m31s
